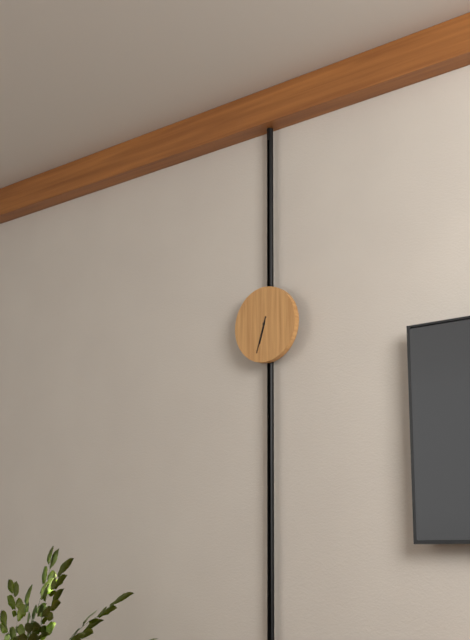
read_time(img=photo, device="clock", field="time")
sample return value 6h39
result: 6h33
